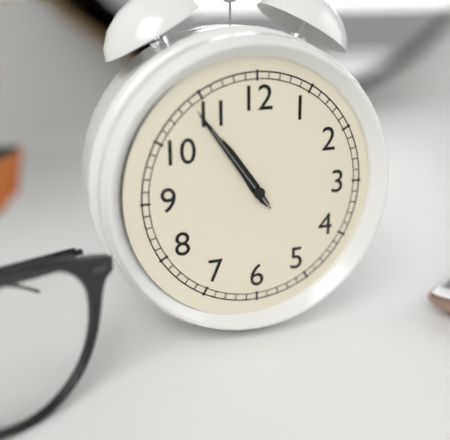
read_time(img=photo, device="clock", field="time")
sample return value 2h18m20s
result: 10h54m54s
